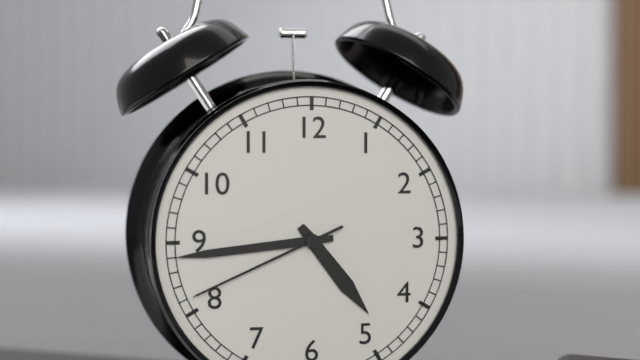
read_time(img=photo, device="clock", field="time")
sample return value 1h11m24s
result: 4h44m41s
